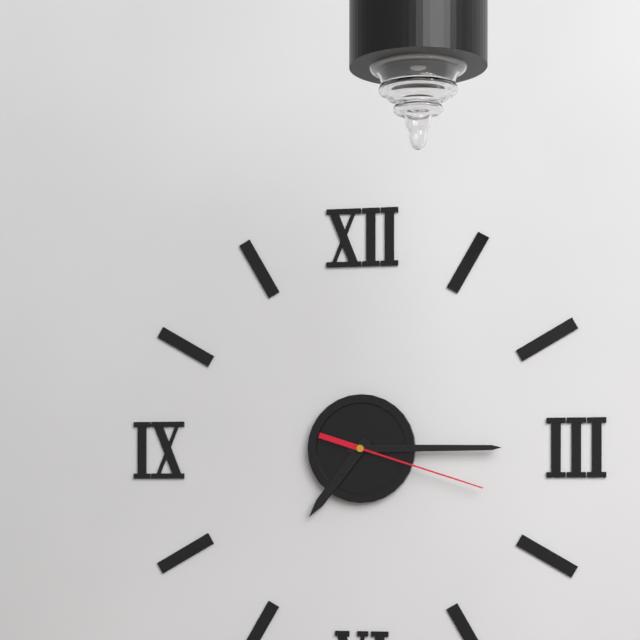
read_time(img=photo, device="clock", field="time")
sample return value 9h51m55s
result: 7h15m18s
